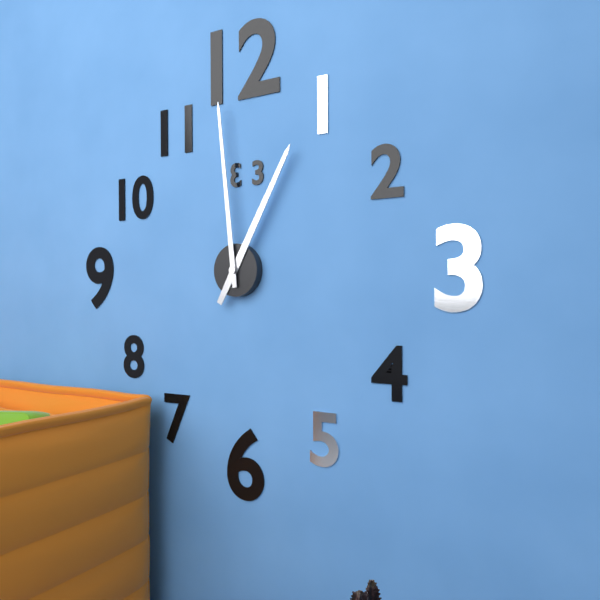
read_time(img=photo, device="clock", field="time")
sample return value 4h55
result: 12h59
